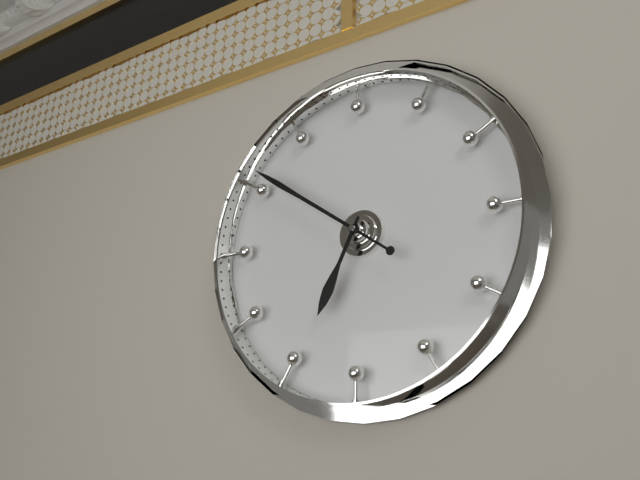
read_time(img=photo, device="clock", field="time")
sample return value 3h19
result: 6h51
